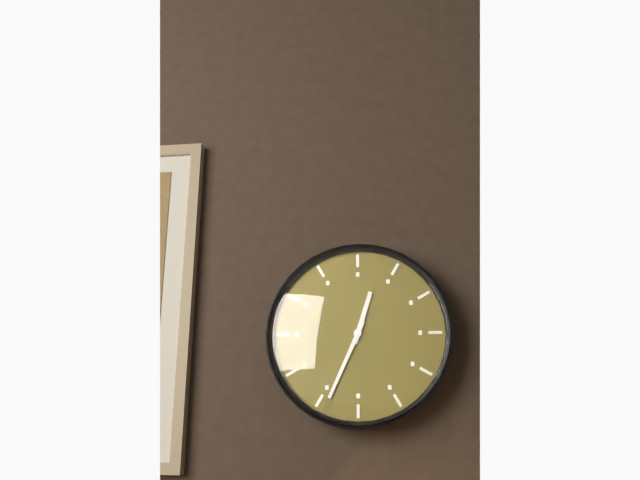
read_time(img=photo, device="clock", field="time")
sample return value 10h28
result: 12h34
